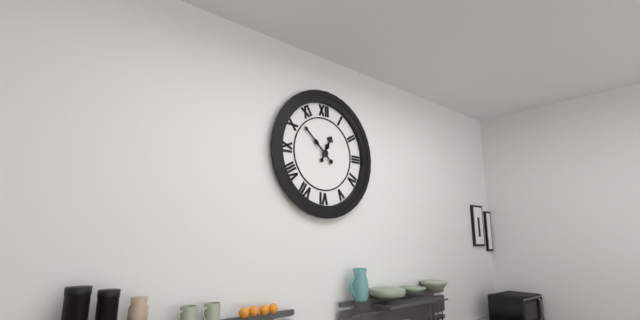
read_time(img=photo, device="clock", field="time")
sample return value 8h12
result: 12h52
